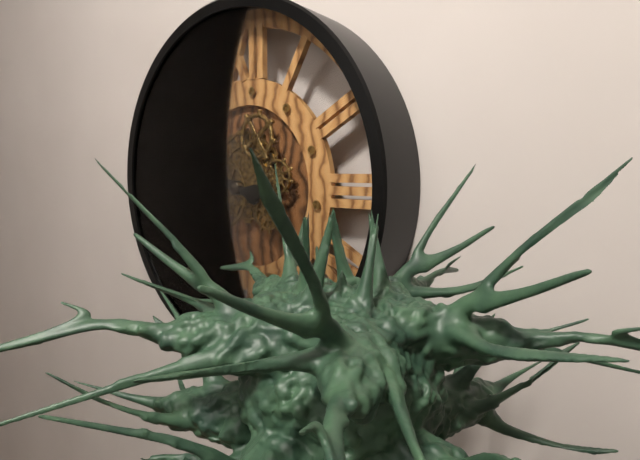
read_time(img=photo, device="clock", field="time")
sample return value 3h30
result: 9h46
